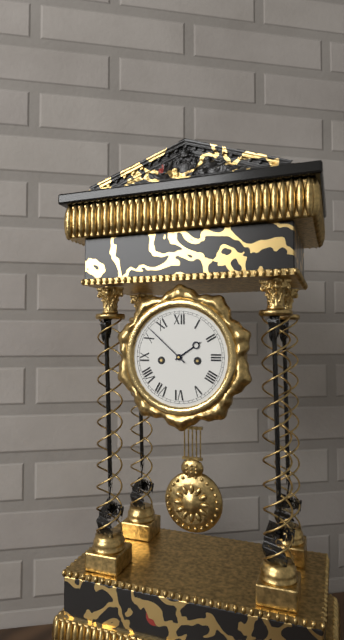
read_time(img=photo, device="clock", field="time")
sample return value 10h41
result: 1h52
